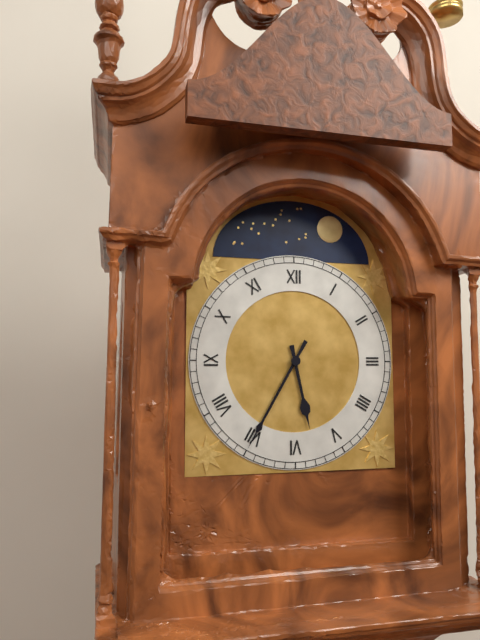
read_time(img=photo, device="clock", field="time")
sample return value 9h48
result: 5h35
